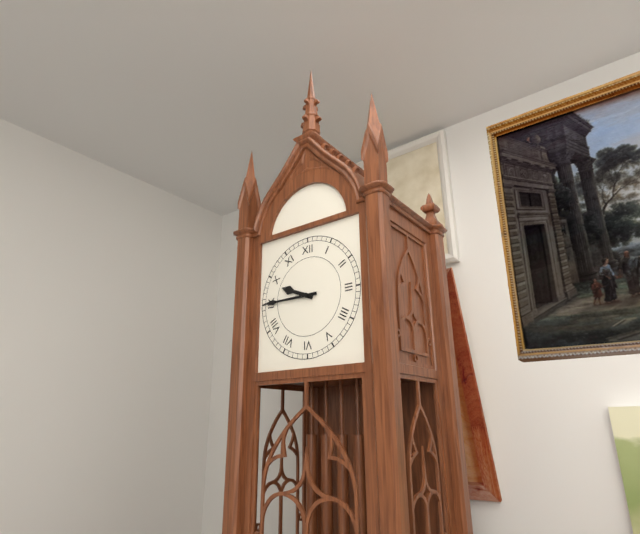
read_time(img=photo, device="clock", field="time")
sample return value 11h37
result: 9h45
